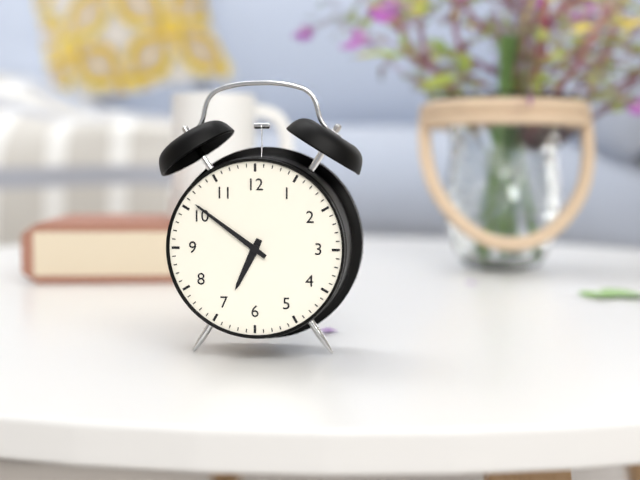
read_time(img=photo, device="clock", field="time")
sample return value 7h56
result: 6h51
